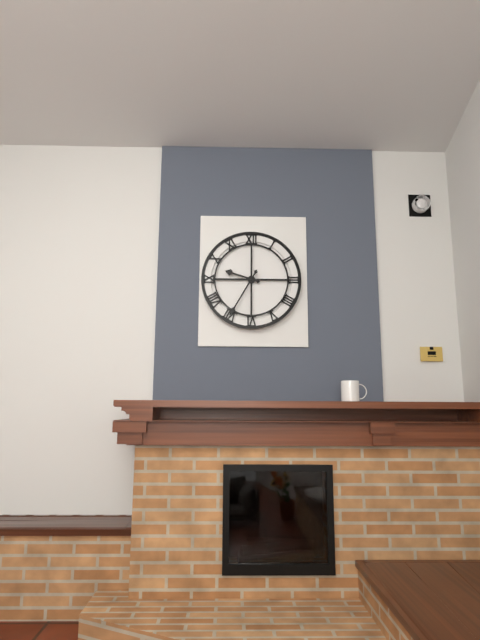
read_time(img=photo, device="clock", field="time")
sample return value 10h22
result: 9h35
